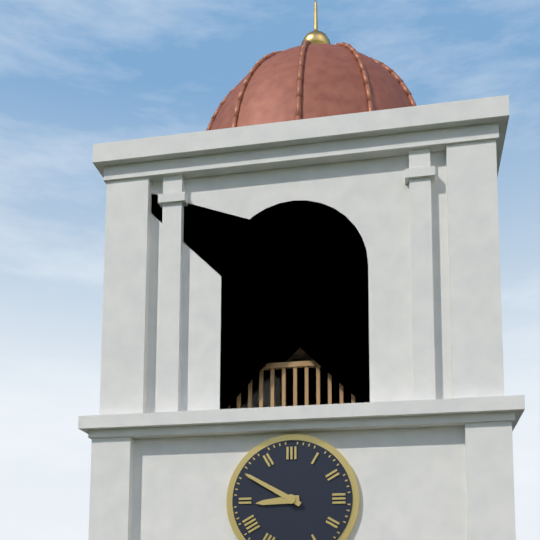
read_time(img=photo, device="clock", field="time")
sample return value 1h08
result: 8h50
